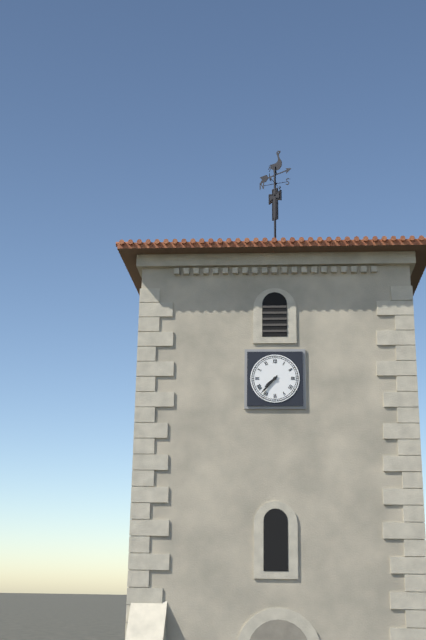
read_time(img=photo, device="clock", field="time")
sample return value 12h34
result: 7h37
